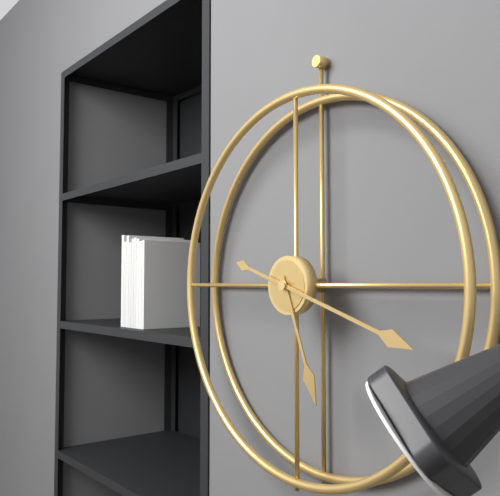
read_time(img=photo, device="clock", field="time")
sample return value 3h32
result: 5h18
